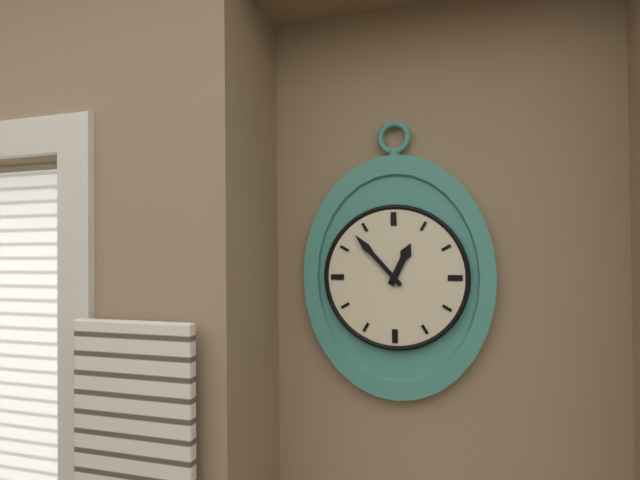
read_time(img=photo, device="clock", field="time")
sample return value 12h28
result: 12h53
